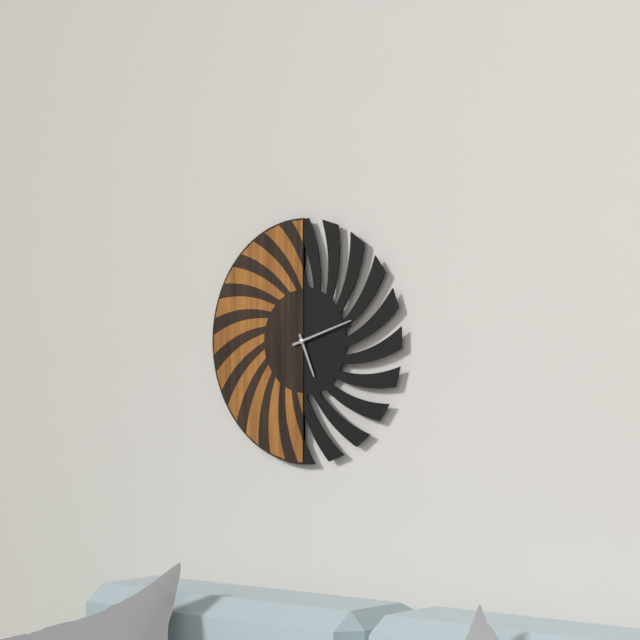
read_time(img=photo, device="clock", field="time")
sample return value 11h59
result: 5h12
